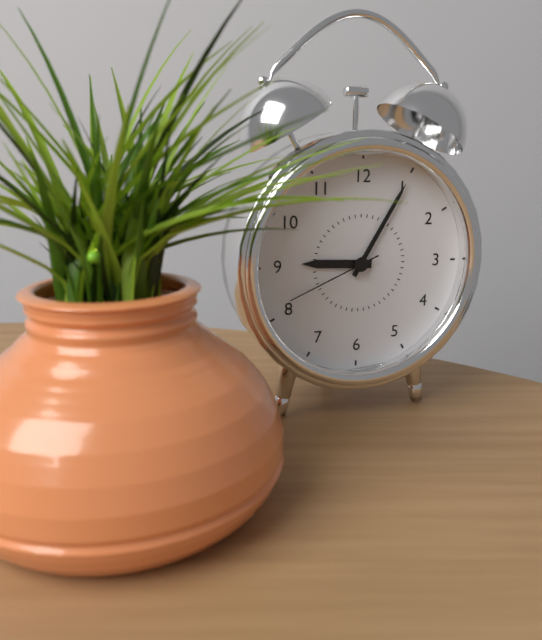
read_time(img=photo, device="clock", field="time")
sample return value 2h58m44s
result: 9h05m41s
